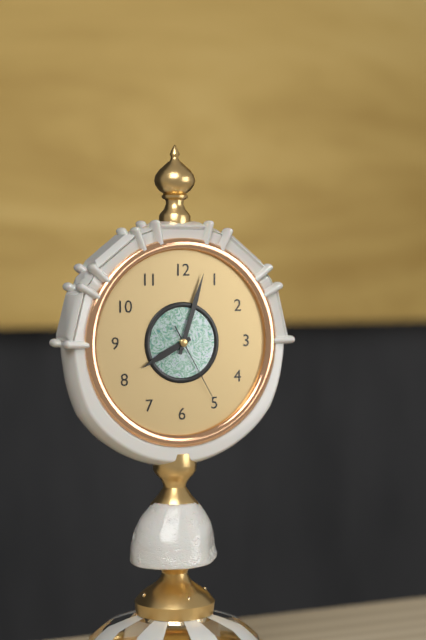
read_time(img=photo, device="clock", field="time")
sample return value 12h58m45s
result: 8h03m25s
